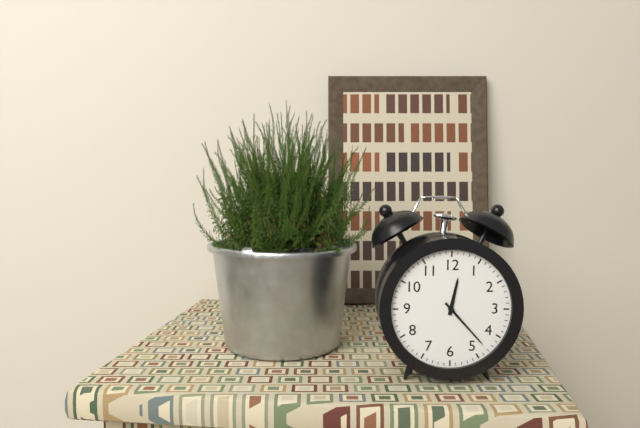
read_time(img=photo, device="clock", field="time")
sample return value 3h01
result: 12h23
